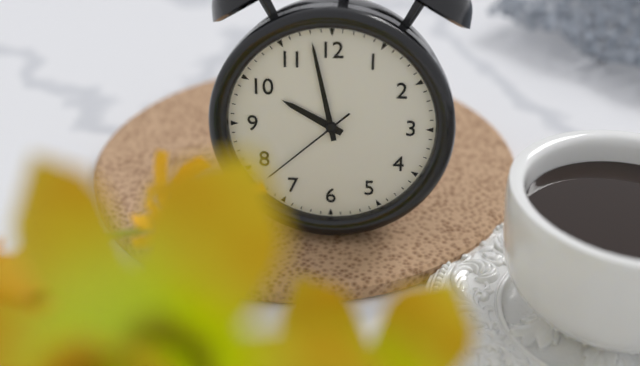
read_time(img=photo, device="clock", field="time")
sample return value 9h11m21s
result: 9h58m38s
